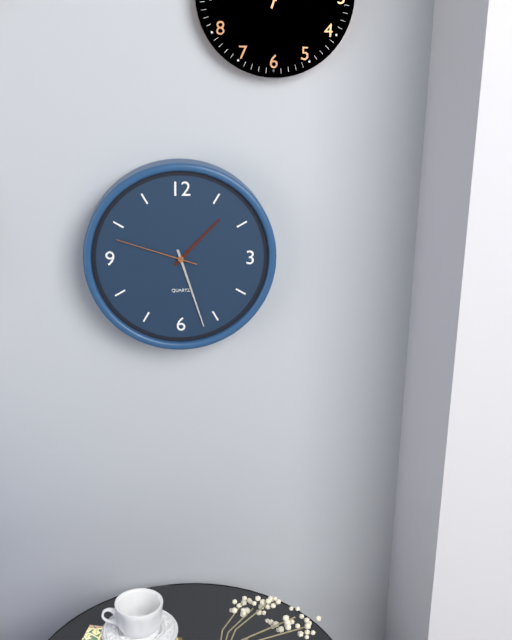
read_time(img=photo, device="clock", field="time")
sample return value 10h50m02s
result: 1h27m48s
